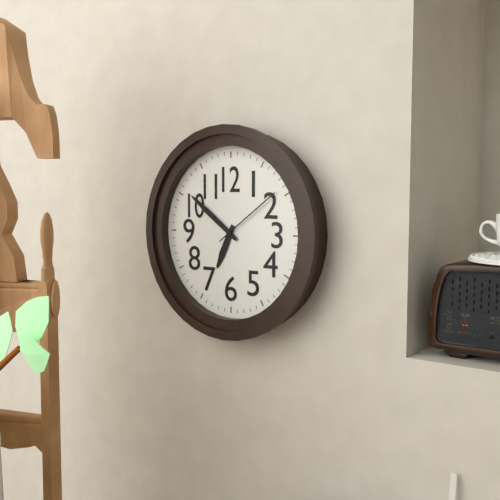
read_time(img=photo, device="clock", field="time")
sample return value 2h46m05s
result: 6h51m09s
